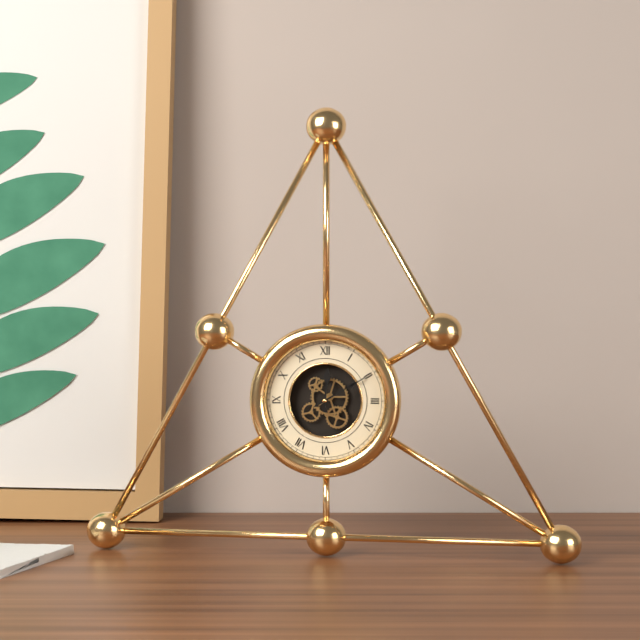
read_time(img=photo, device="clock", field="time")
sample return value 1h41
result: 12h10
